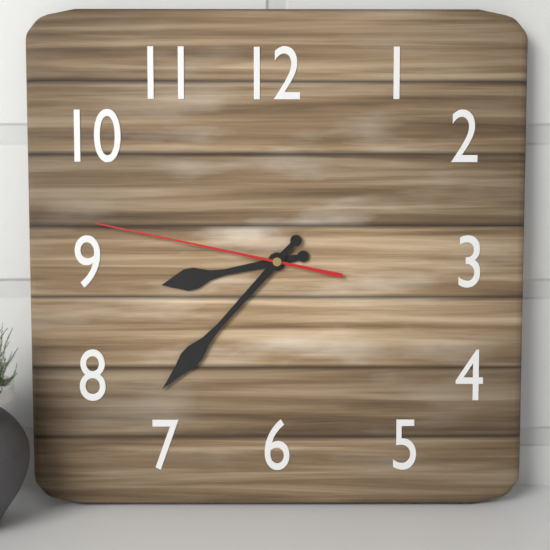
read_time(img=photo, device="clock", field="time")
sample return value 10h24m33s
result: 8h37m47s
